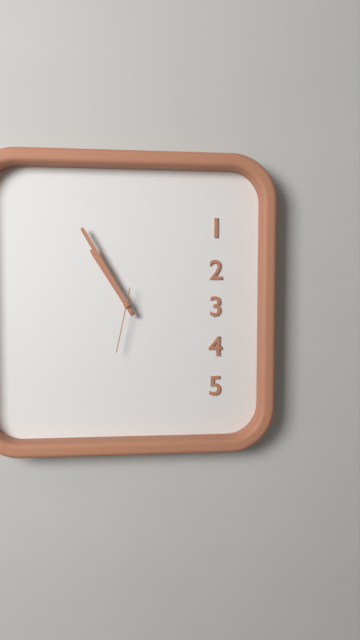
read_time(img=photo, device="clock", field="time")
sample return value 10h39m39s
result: 10h55m32s
